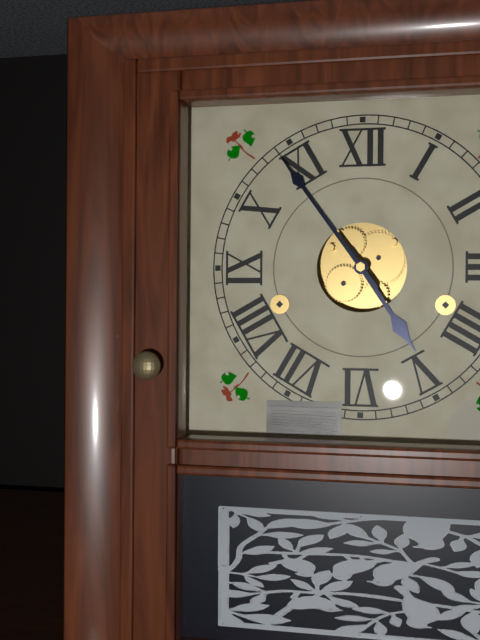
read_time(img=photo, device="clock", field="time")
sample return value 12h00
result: 4h54
